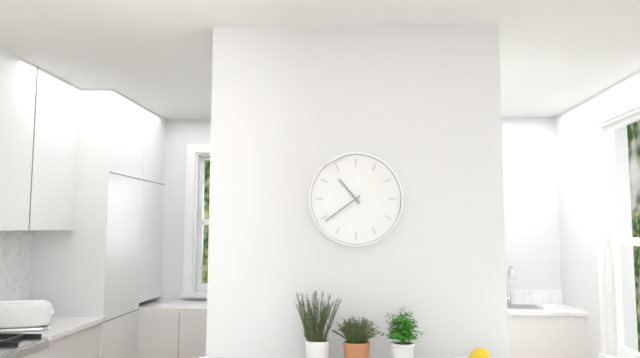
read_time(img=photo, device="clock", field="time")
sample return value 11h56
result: 10h39
